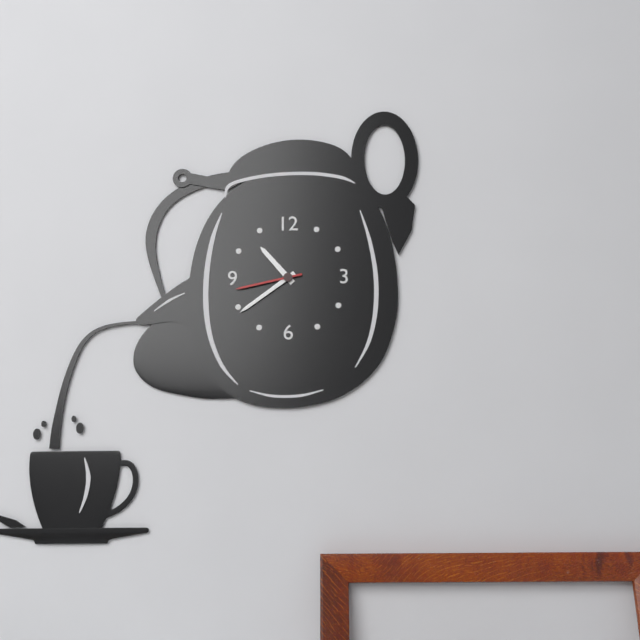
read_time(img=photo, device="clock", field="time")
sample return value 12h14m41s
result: 10h39m43s
